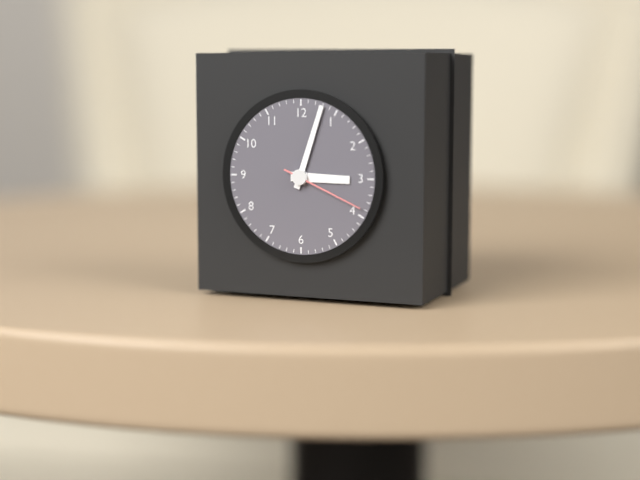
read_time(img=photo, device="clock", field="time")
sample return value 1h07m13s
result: 3h03m19s
